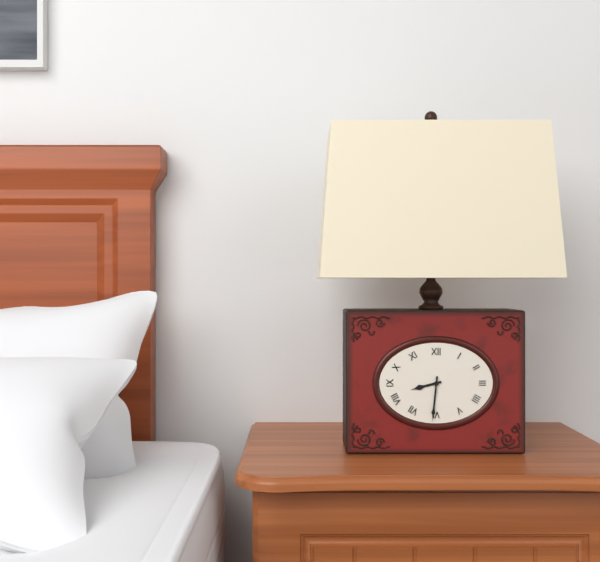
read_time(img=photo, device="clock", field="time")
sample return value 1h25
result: 8h31
